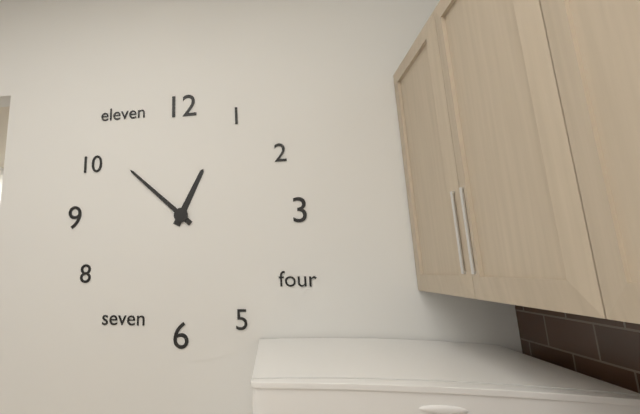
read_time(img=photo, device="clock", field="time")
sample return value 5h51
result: 12h52
